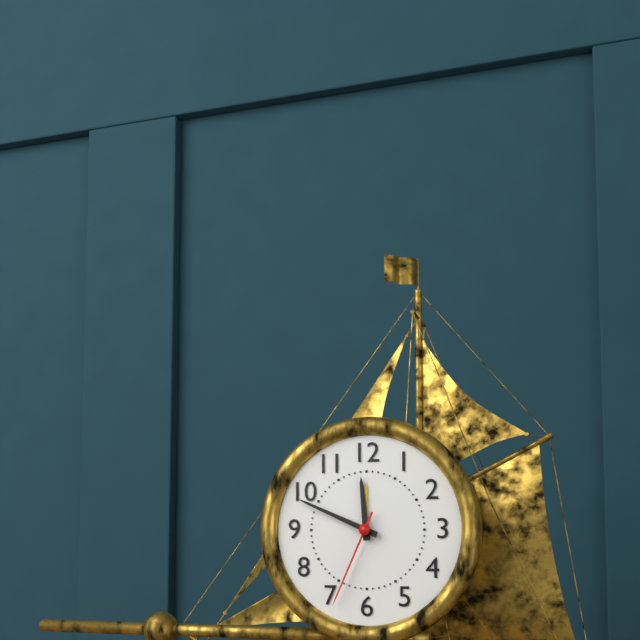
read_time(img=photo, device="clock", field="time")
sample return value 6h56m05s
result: 11h49m34s
